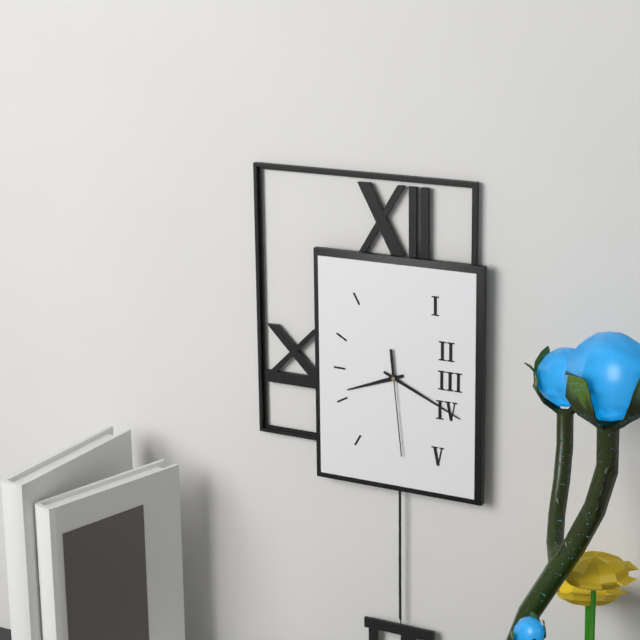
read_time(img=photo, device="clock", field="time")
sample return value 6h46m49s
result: 8h19m29s
